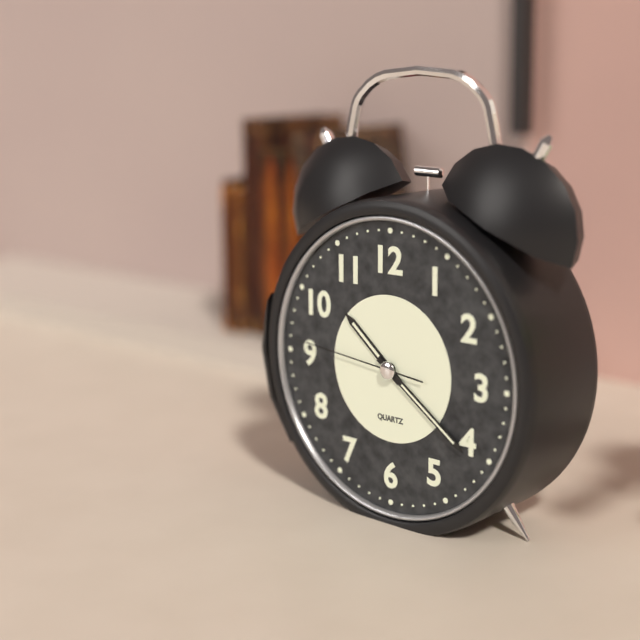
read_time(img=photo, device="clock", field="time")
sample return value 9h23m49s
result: 10h21m46s
